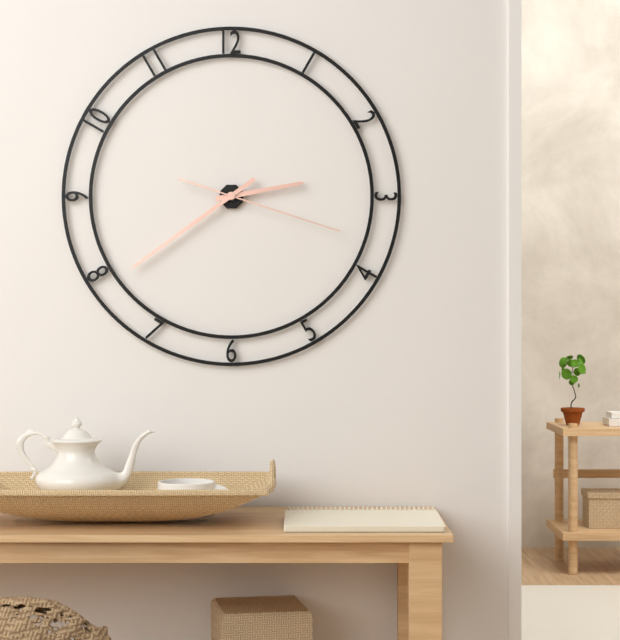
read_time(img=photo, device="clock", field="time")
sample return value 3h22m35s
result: 2h39m18s
